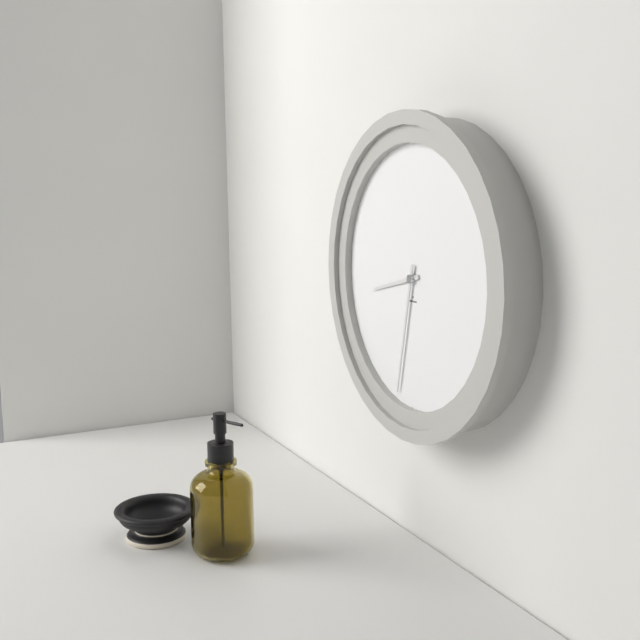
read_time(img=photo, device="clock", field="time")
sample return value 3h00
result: 8h32
